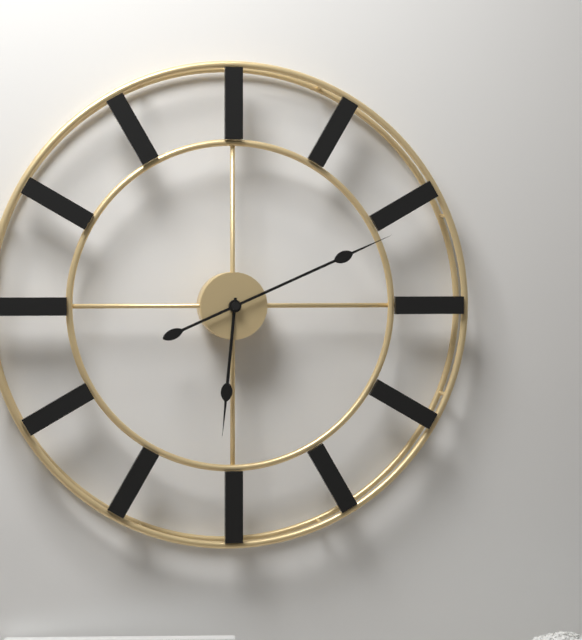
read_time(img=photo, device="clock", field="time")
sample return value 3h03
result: 6h11
